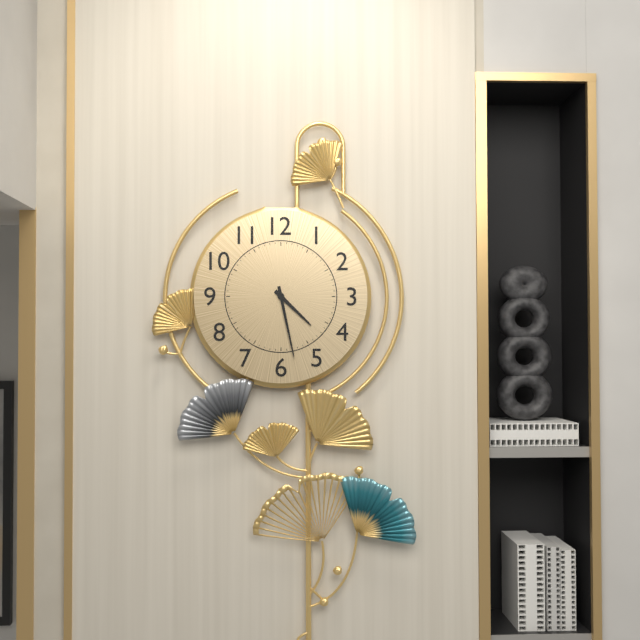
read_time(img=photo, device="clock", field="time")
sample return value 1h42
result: 4h28
